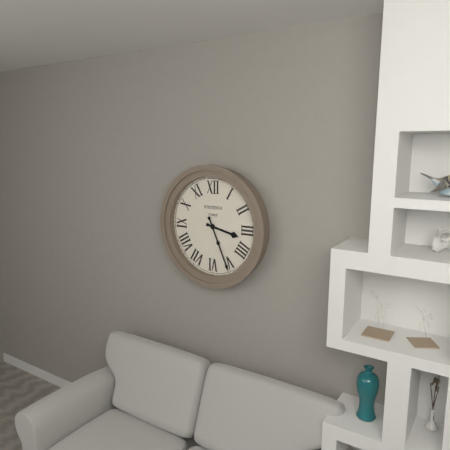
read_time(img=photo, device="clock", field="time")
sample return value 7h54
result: 3h26
